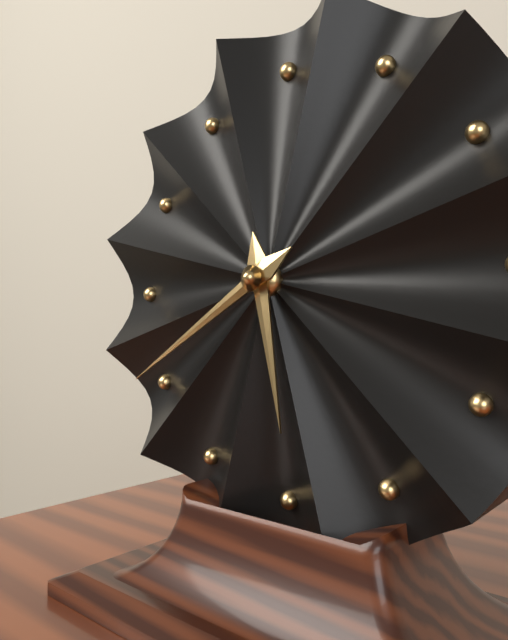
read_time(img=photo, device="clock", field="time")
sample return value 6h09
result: 5h40
